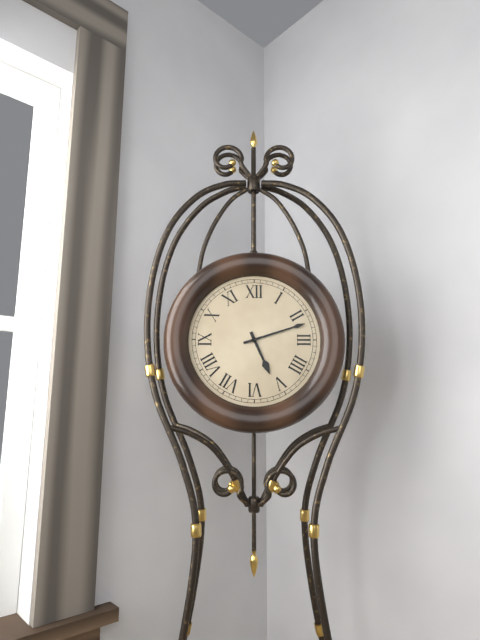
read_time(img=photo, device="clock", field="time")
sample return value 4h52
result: 5h12
